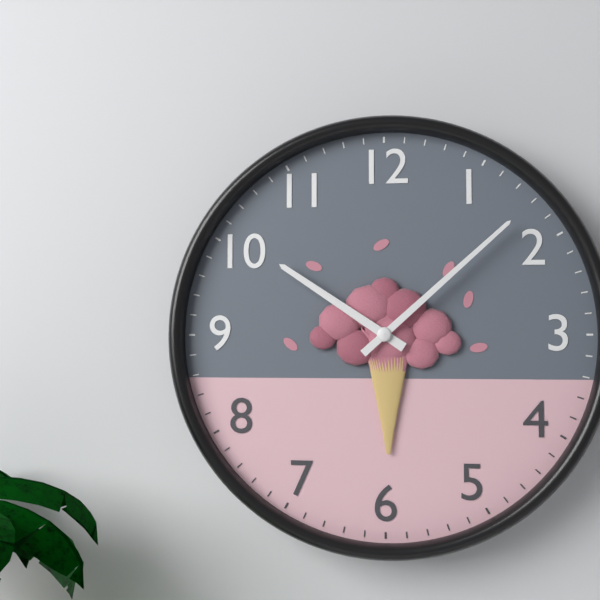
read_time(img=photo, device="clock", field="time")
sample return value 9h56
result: 10h08
